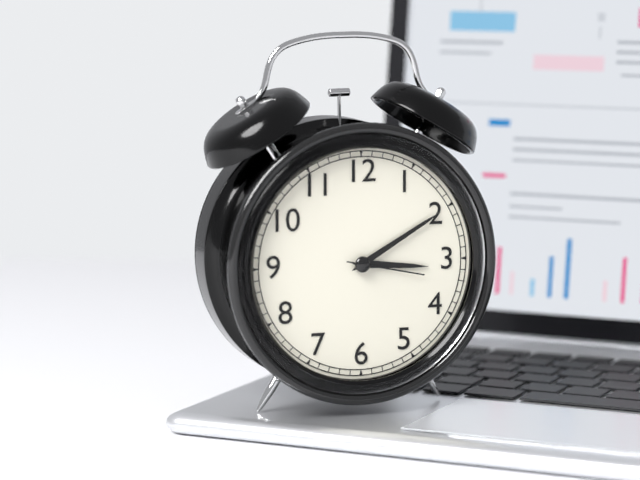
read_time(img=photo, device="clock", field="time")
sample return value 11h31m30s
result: 3h10m17s
